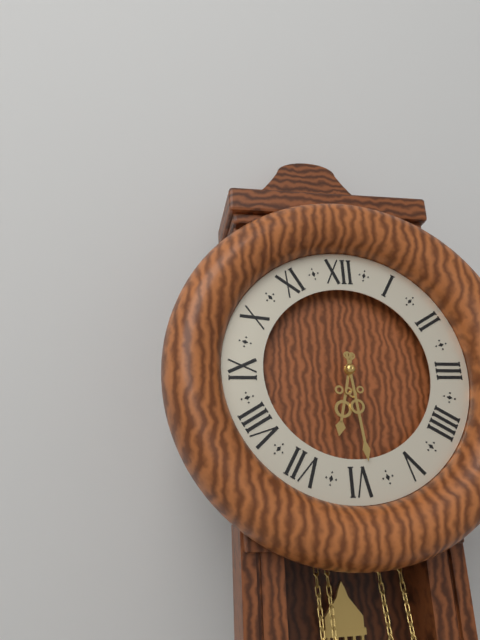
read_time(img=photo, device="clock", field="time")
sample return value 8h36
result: 6h29
